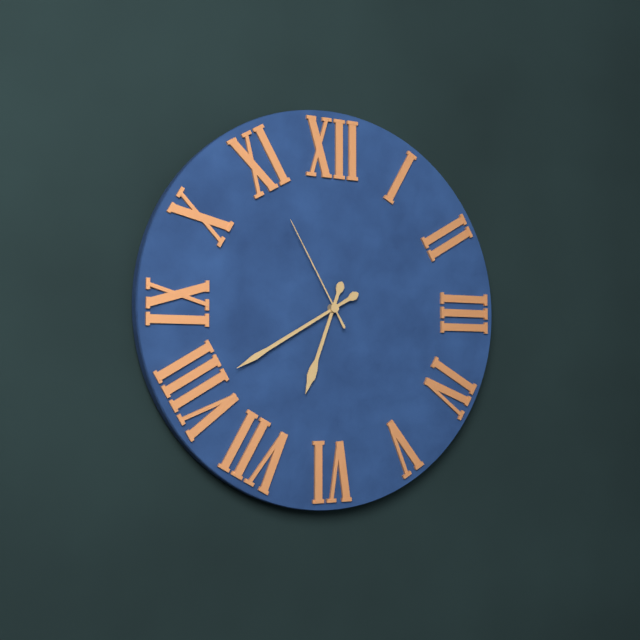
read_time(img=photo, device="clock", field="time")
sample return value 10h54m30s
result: 6h40m55s
